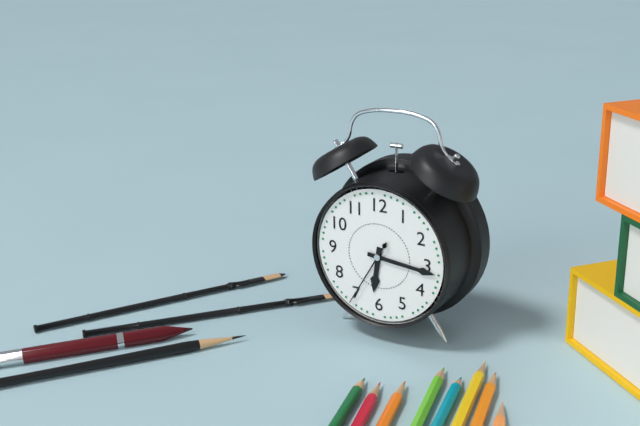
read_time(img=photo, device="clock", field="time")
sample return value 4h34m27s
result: 6h16m35s
